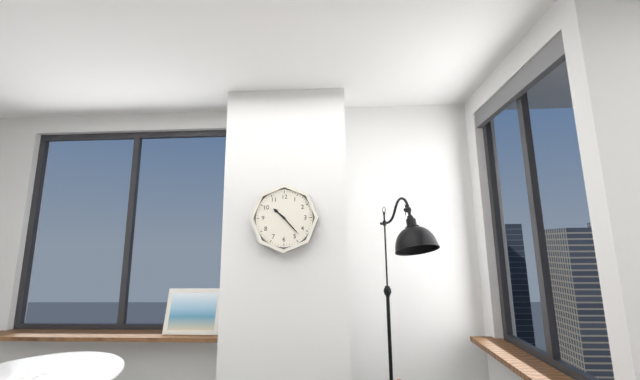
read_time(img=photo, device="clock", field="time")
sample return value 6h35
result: 10h23
